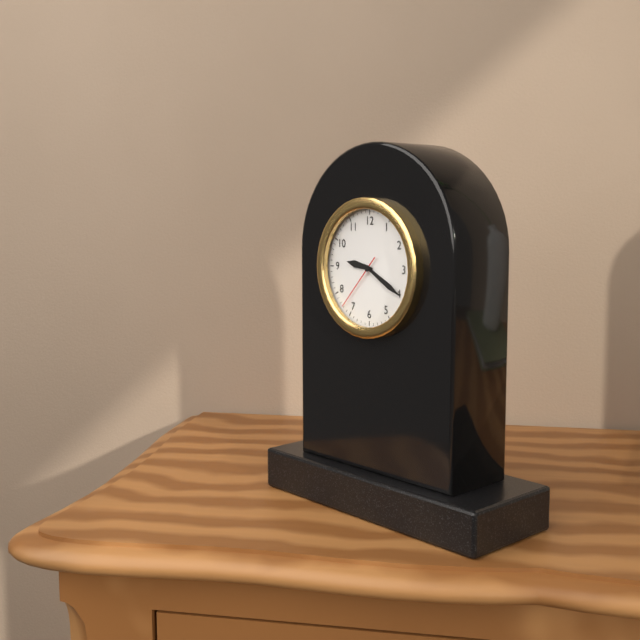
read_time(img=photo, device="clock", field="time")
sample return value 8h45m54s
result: 9h20m37s
